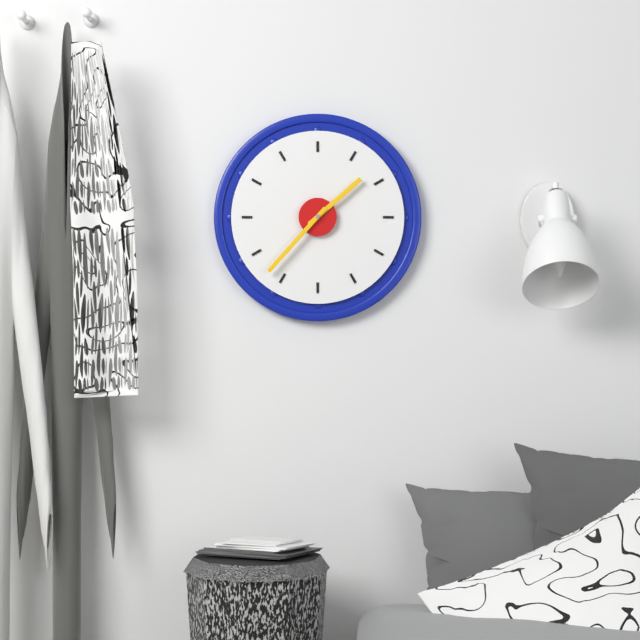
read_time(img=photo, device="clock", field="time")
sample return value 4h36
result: 1h37
